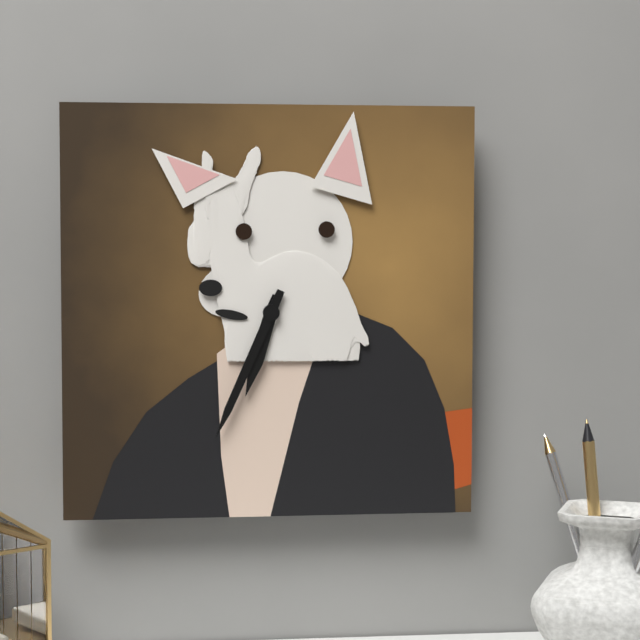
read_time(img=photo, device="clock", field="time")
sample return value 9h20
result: 6h34
